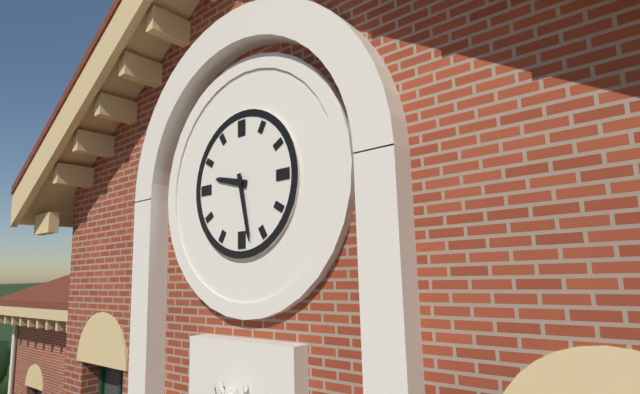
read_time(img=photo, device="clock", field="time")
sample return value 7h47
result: 9h28
